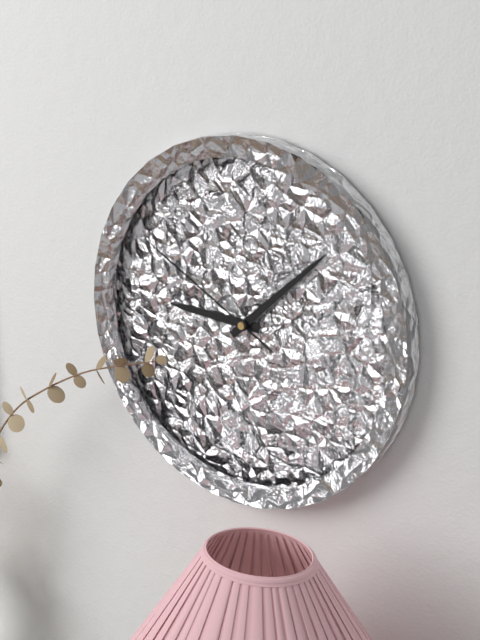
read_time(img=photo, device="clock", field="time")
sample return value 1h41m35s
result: 9h08m50s
